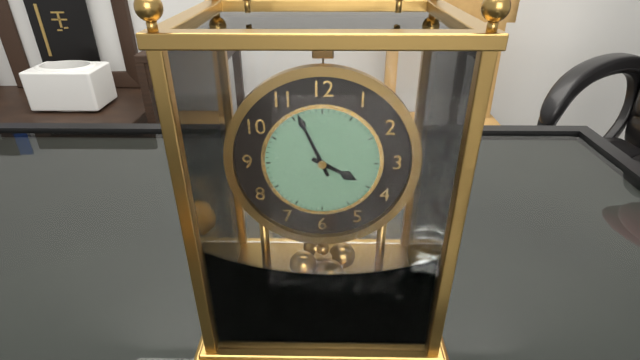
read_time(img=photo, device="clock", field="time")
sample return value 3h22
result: 3h56
